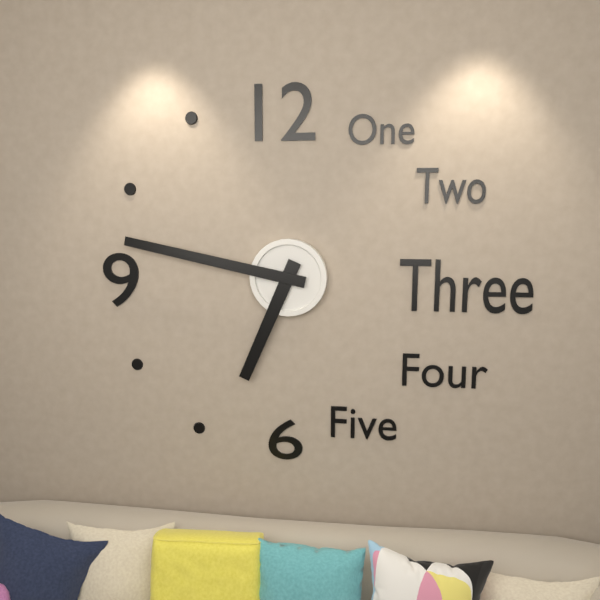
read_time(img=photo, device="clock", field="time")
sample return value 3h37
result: 6h47
